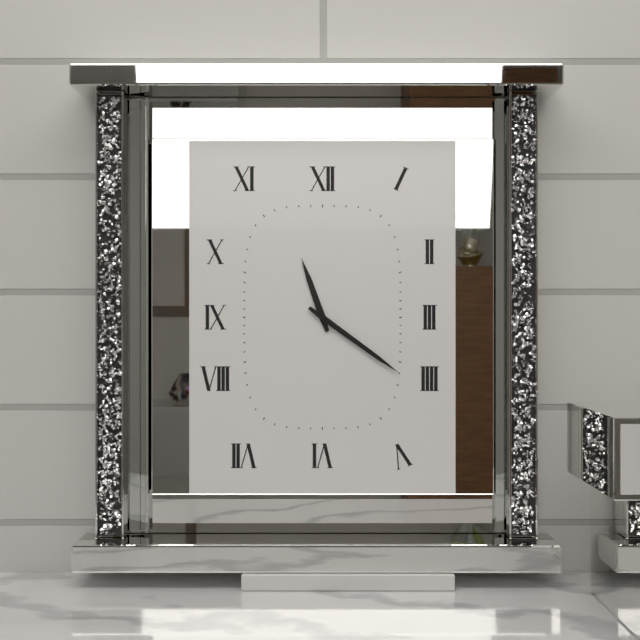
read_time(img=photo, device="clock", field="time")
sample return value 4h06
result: 11h21
